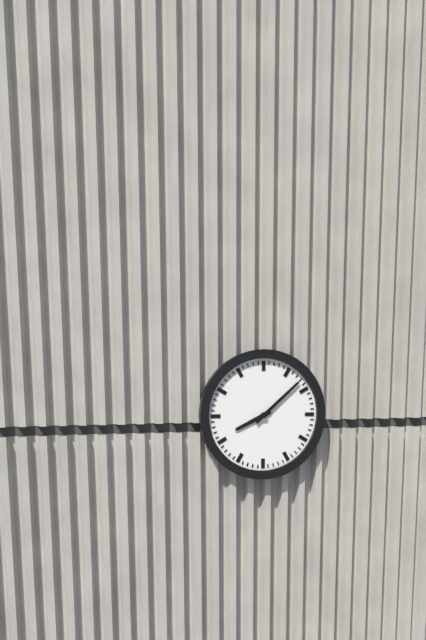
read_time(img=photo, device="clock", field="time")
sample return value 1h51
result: 8h08
